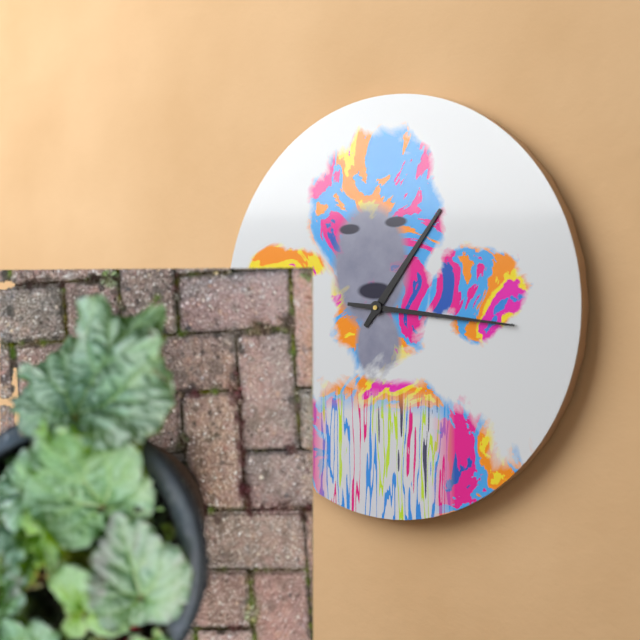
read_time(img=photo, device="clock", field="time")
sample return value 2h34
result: 1h16
